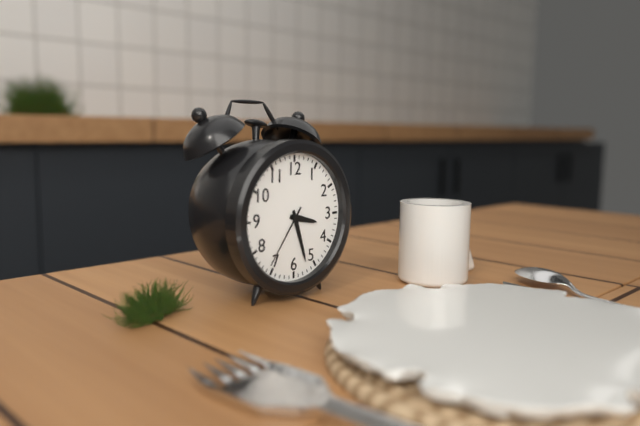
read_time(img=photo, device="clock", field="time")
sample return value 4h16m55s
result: 3h27m36s
